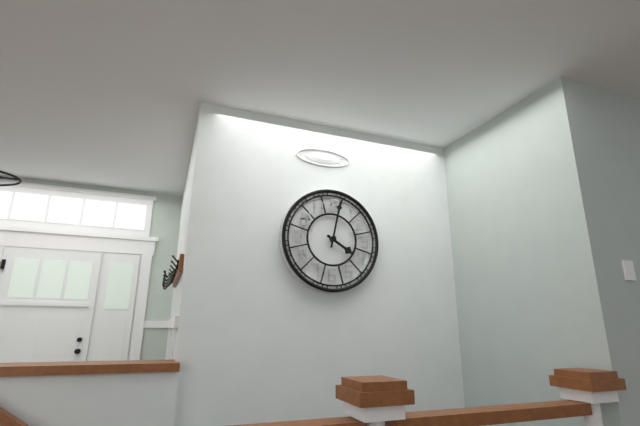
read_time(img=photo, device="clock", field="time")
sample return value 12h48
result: 4h02
